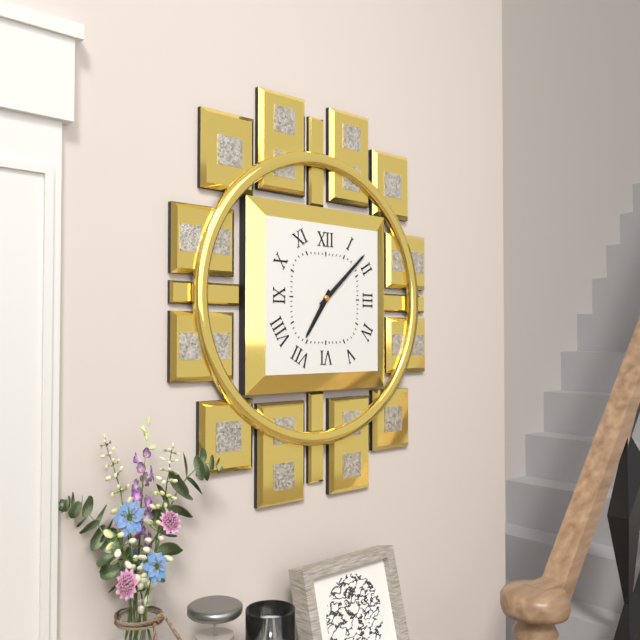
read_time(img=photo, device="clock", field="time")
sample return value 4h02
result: 7h08
